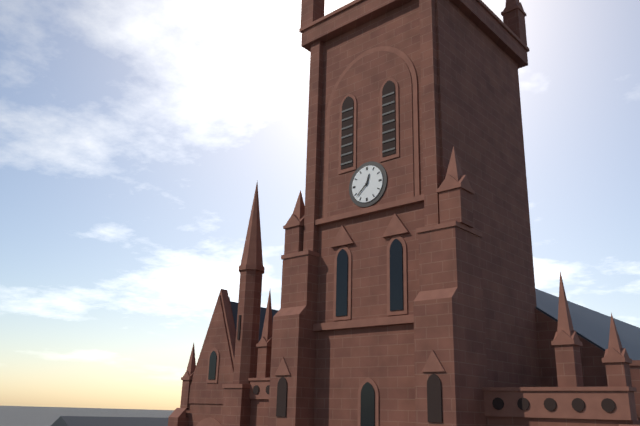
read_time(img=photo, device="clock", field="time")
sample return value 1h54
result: 12h38
